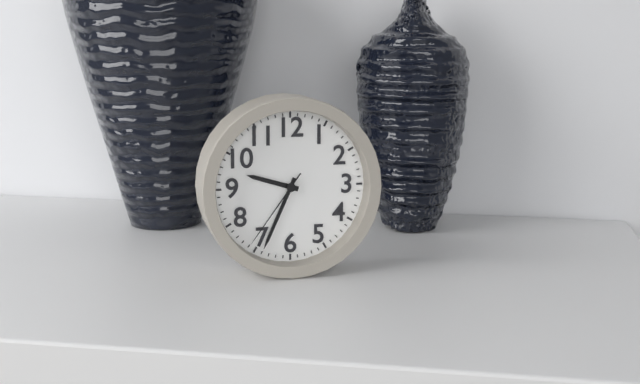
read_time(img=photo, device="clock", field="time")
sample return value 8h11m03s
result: 9h34m36s
